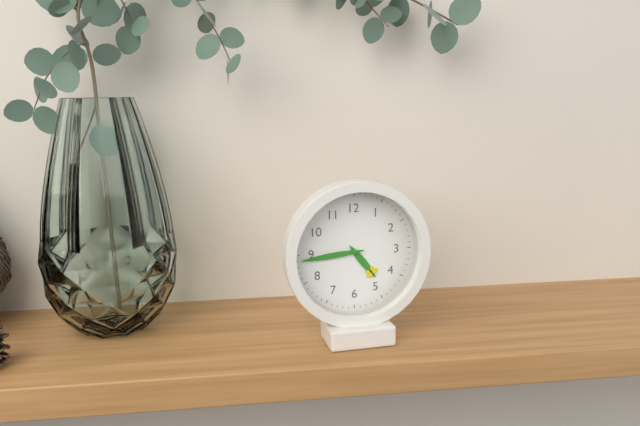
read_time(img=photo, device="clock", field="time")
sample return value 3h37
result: 4h44
